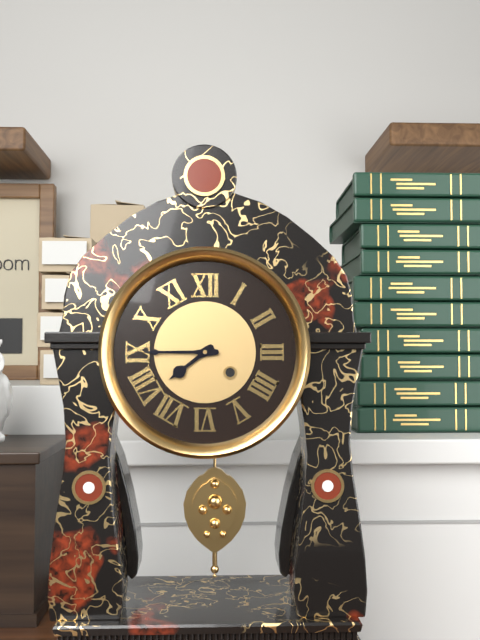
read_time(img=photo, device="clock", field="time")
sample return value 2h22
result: 7h45
